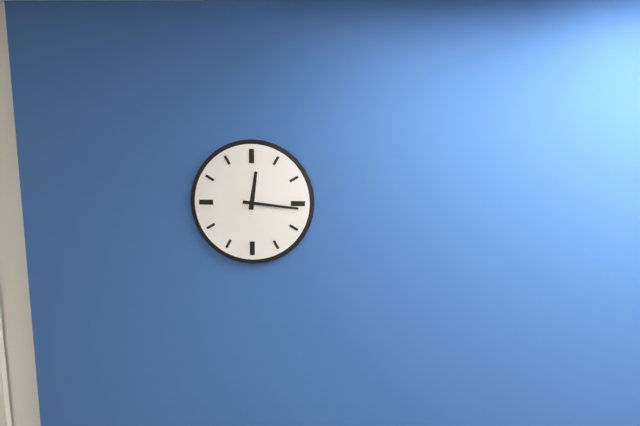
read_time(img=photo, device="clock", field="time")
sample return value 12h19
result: 12h16
